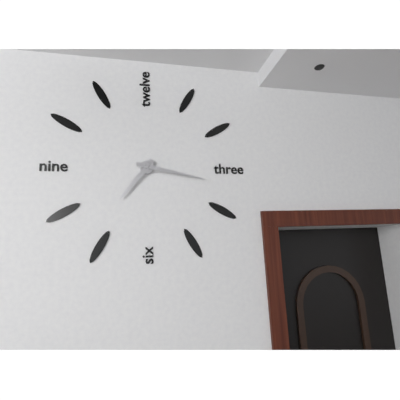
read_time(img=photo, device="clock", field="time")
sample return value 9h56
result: 7h17
